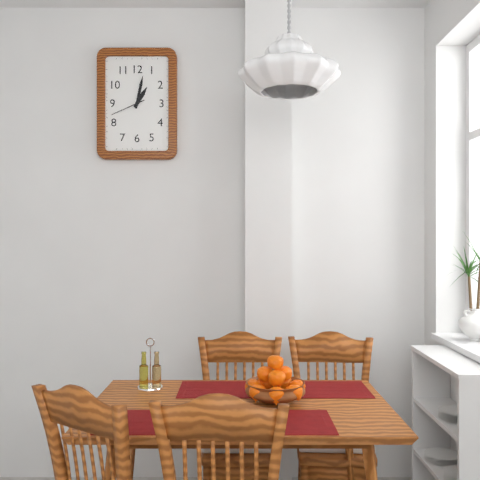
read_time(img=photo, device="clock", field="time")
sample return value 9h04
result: 1h02
